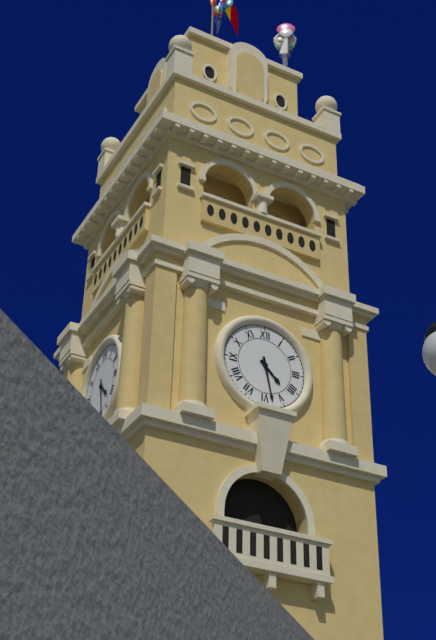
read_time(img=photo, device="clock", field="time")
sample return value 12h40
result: 4h28
